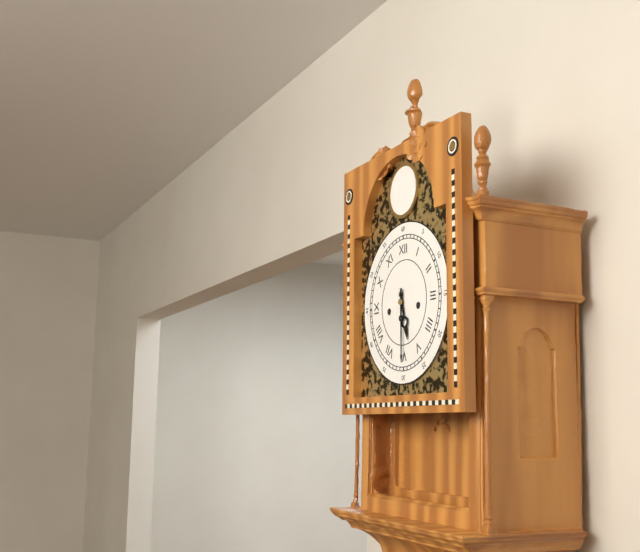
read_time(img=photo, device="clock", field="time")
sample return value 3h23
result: 5h30
